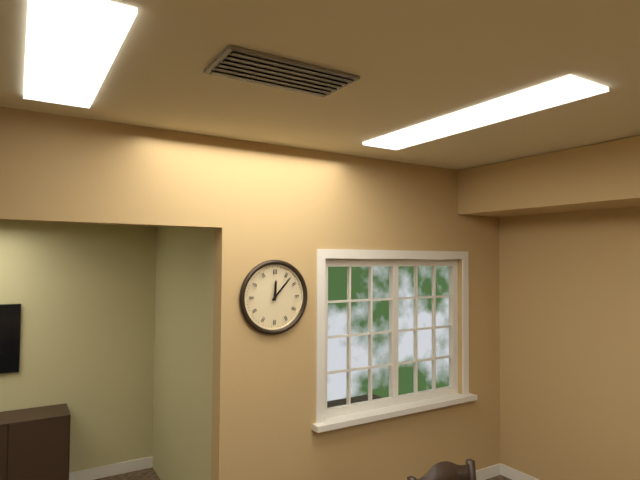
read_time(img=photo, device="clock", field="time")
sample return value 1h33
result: 12h07
